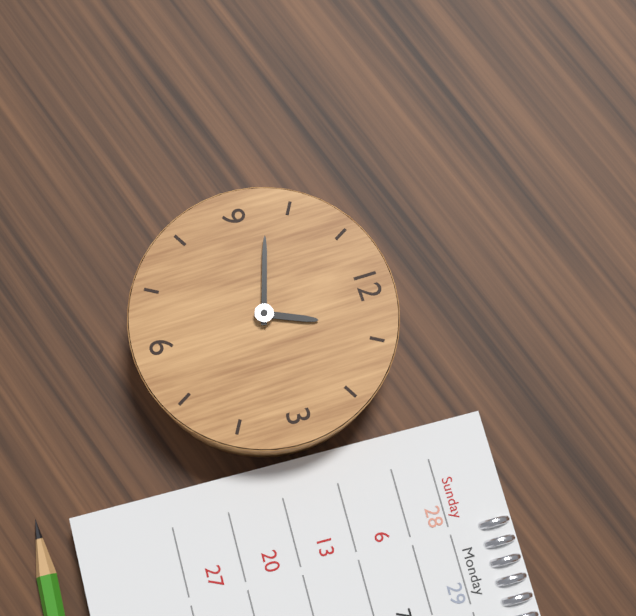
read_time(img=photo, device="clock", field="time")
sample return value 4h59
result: 12h48
